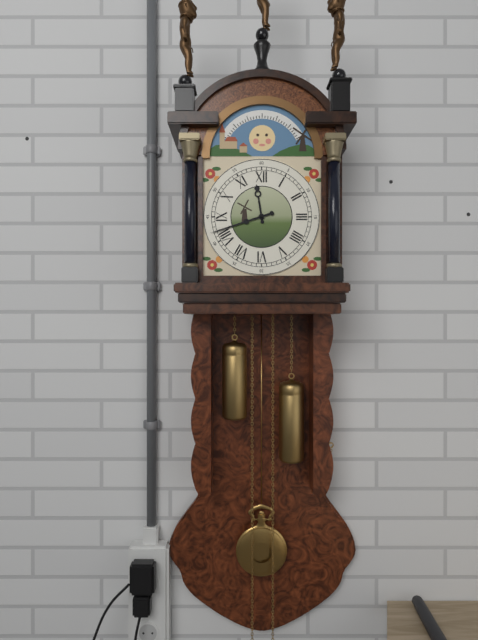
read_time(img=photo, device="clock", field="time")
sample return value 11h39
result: 11h42
